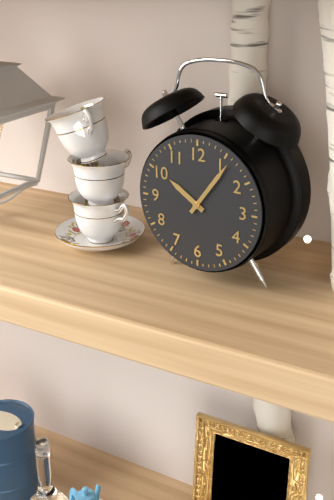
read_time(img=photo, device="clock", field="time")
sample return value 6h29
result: 10h06
